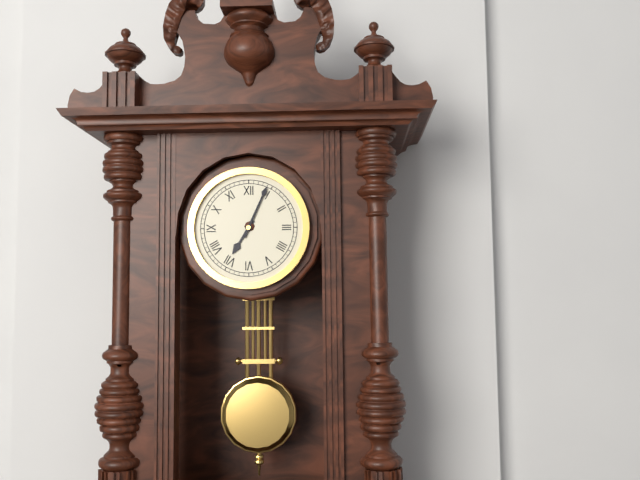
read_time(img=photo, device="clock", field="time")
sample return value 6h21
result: 7h04
